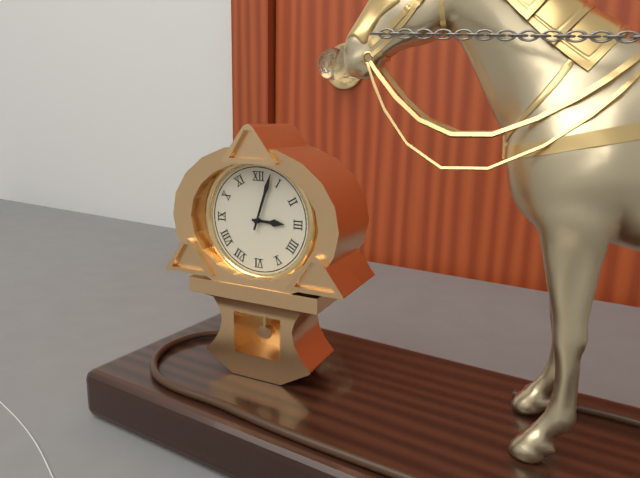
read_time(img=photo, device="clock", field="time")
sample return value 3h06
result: 3h03
